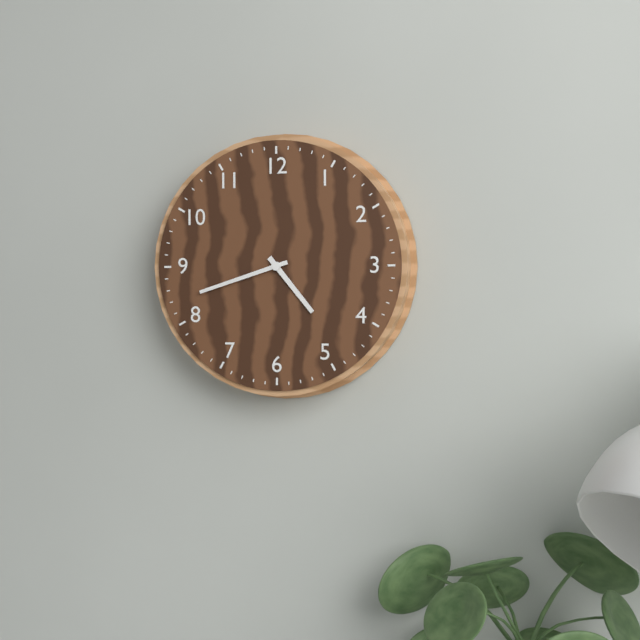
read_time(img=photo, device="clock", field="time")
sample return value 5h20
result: 4h42
